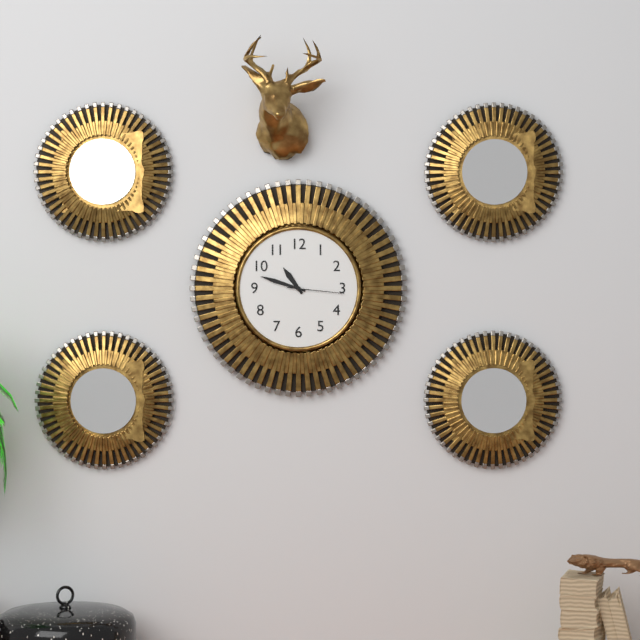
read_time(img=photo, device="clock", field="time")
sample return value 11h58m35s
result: 10h48m16s
